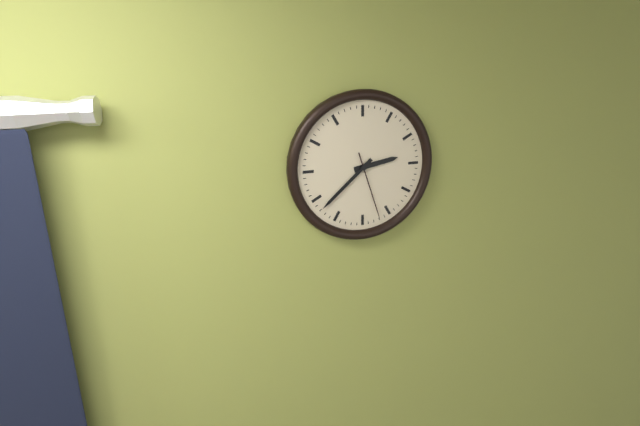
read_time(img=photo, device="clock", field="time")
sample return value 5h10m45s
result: 2h38m27s
